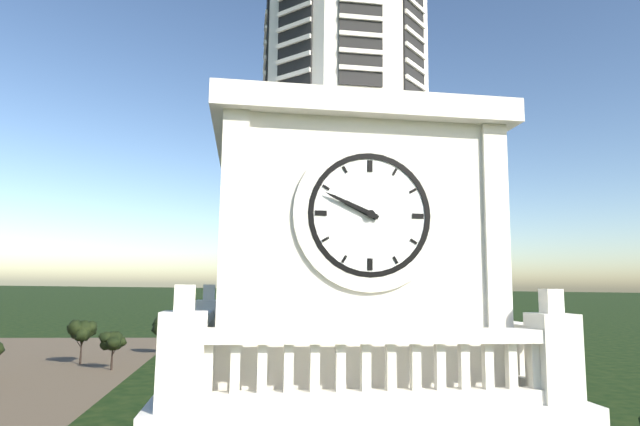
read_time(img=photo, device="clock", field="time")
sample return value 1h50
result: 9h49
